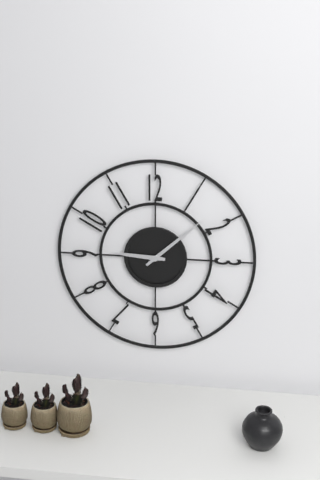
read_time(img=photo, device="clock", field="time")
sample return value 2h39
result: 9h08
